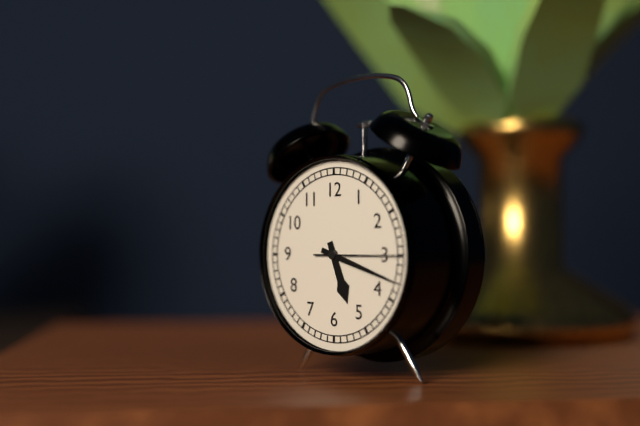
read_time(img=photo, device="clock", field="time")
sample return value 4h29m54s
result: 5h18m15s
